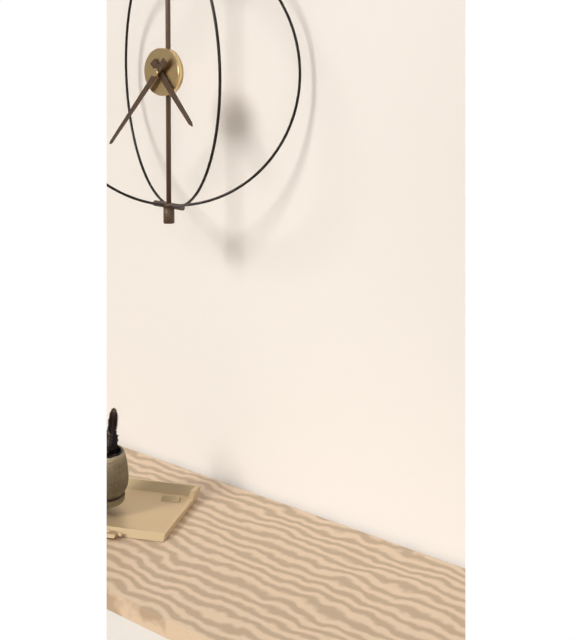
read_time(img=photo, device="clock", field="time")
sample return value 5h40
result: 4h37
